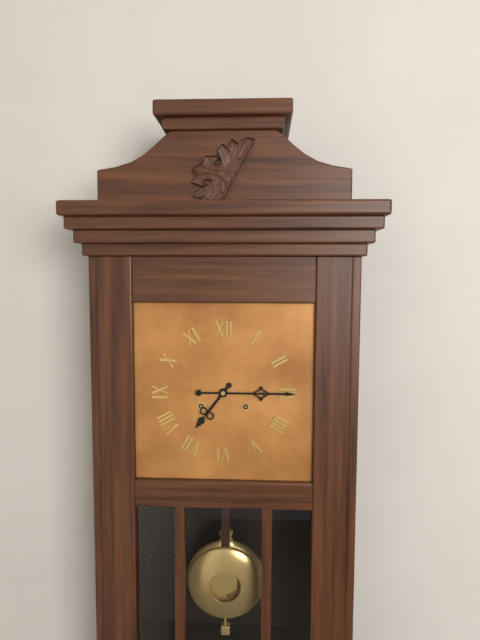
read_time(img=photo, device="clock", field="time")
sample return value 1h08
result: 7h15
